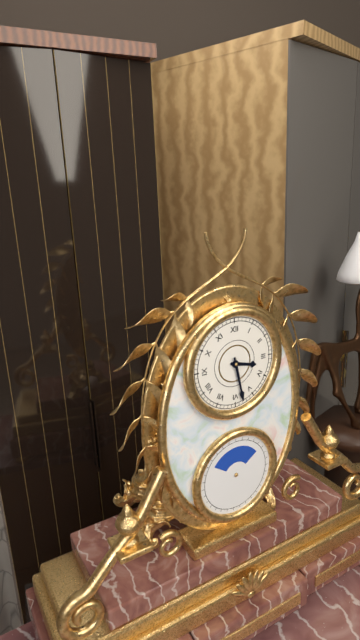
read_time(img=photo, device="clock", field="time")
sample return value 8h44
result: 3h28
